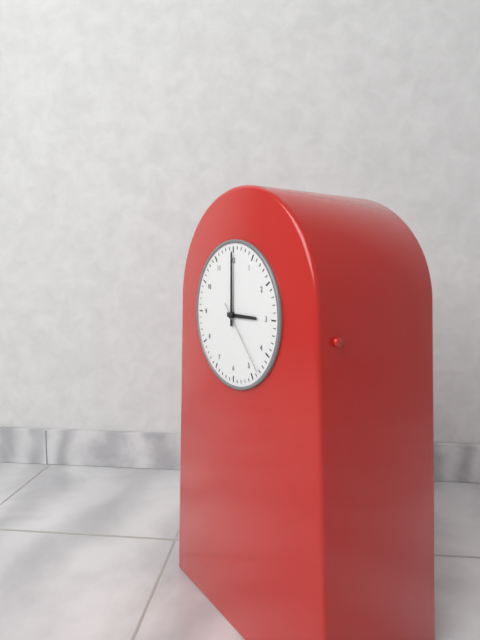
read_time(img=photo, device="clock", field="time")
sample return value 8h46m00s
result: 3h00m23s
